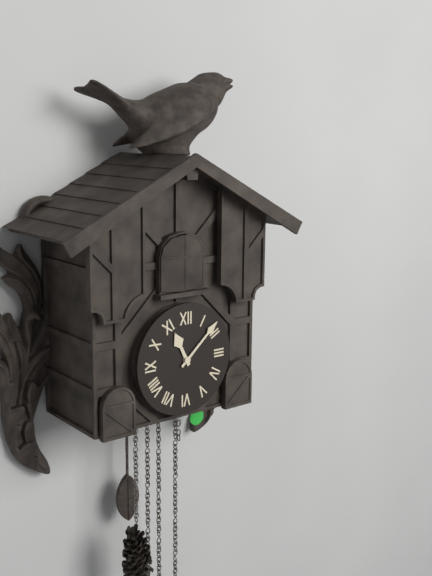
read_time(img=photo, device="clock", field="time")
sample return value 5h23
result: 11h08
